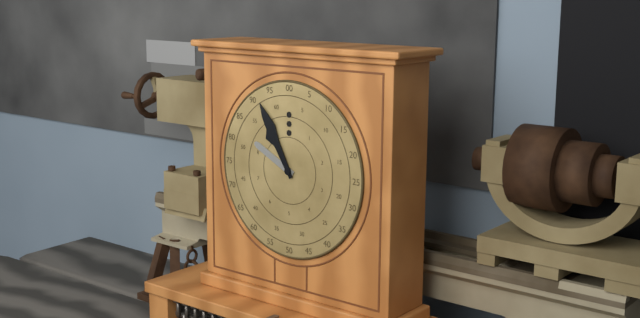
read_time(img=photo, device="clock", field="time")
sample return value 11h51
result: 9h55
